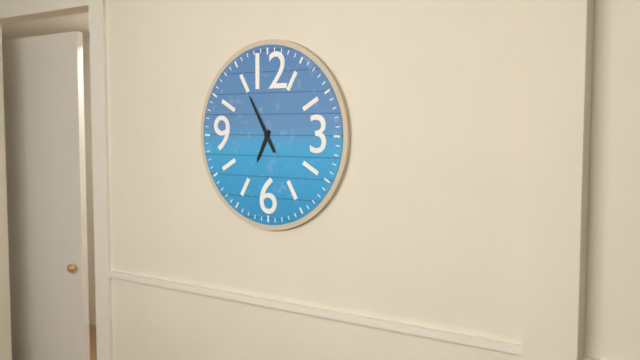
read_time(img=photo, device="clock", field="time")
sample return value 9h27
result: 6h55
